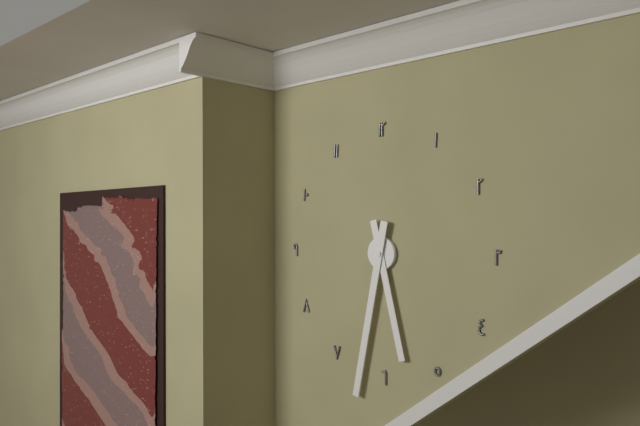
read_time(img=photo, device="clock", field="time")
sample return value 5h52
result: 5h32
